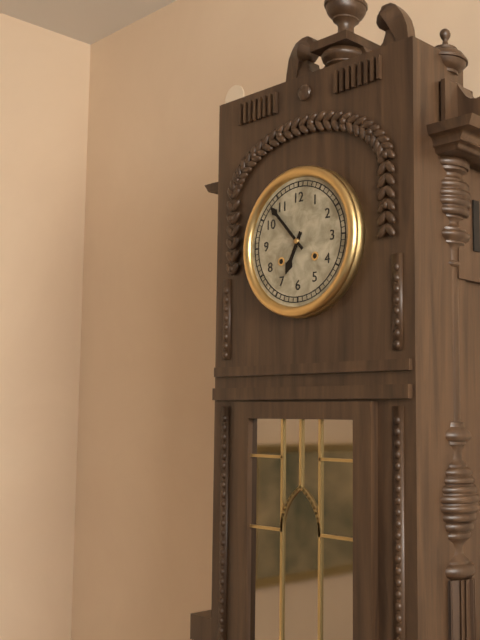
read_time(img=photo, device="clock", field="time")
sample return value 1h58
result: 6h53
